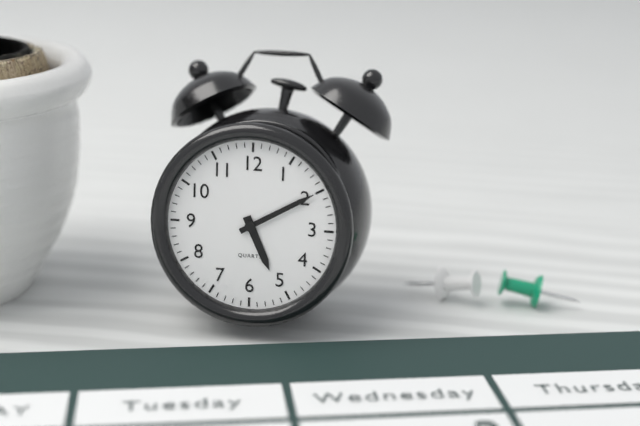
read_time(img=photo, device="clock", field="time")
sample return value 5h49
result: 5h10
